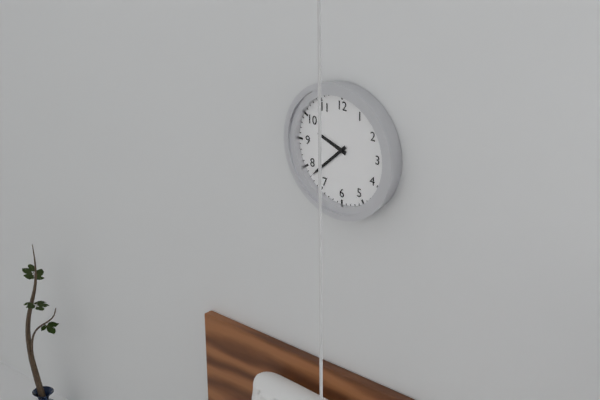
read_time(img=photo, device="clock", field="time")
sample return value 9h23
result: 9h38
